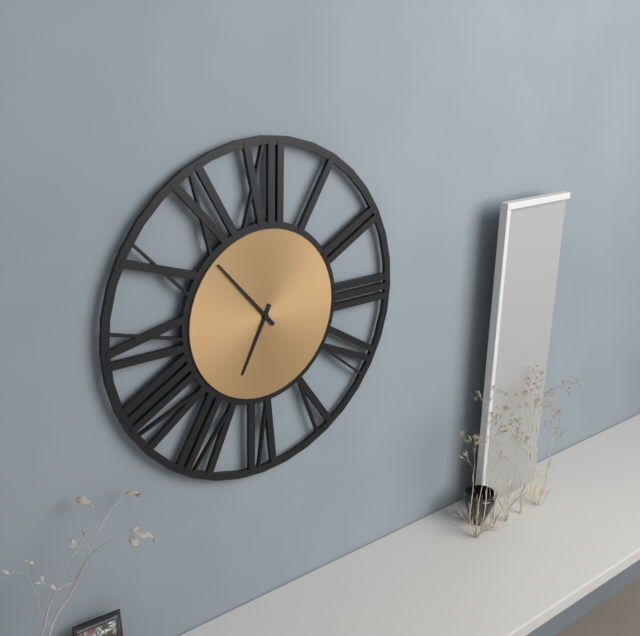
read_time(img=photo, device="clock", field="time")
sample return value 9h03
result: 6h53
